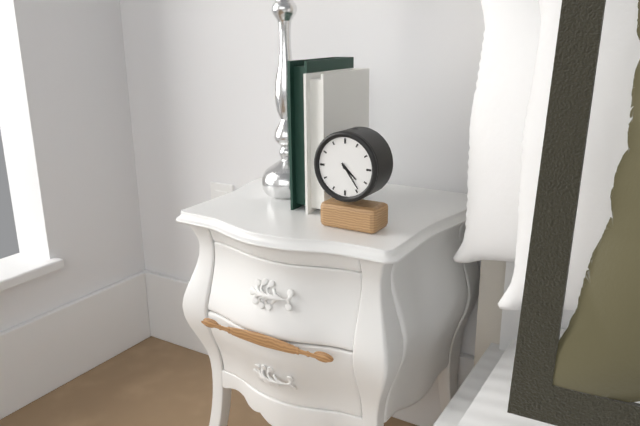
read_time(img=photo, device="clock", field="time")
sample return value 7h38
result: 4h24
